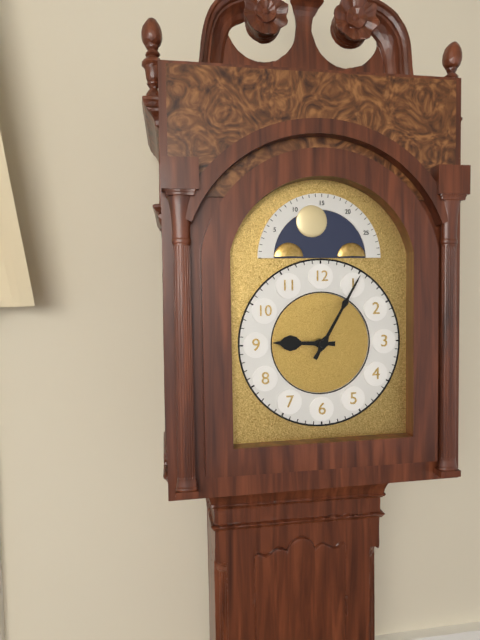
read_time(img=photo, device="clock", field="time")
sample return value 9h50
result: 9h05
